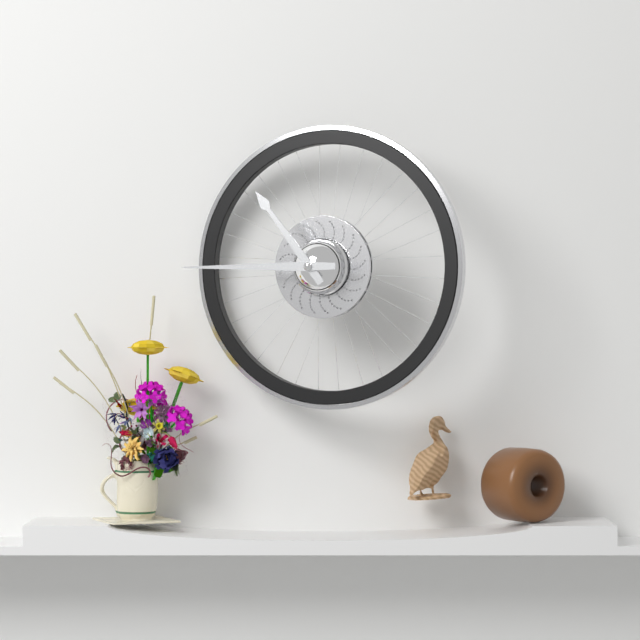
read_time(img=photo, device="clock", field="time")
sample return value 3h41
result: 10h45
